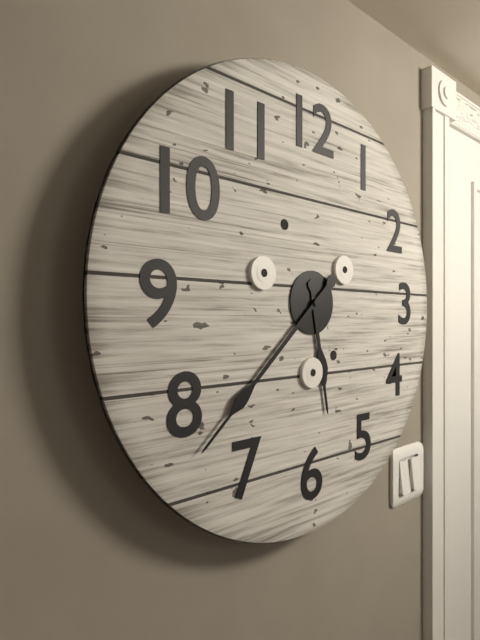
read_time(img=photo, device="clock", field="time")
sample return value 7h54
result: 5h38
